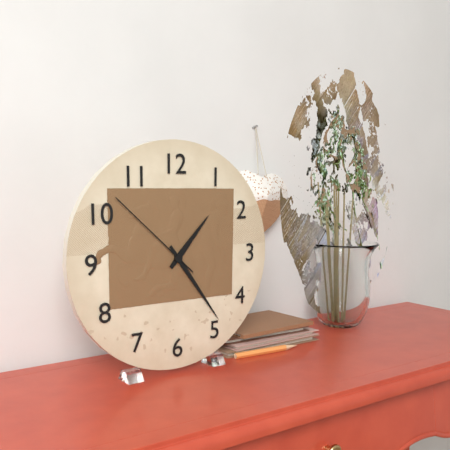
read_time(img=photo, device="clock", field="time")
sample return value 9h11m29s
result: 1h24m52s
